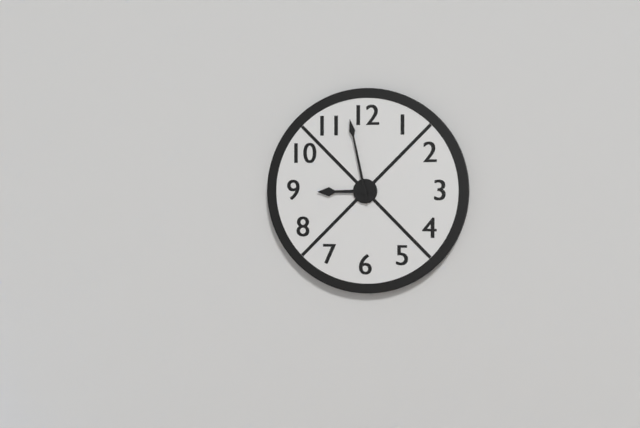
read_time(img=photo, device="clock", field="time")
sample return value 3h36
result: 8h58
